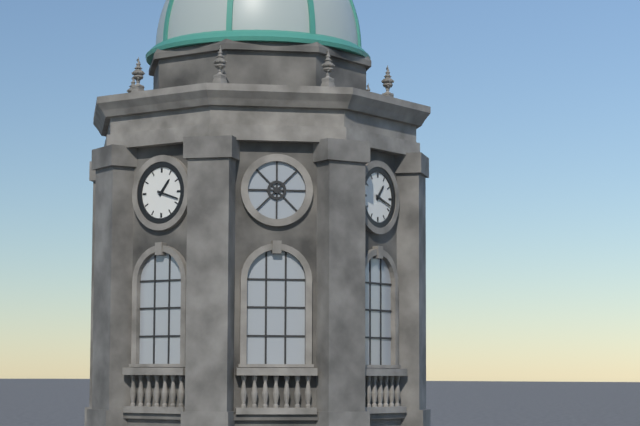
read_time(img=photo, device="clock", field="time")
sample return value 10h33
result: 1h18
